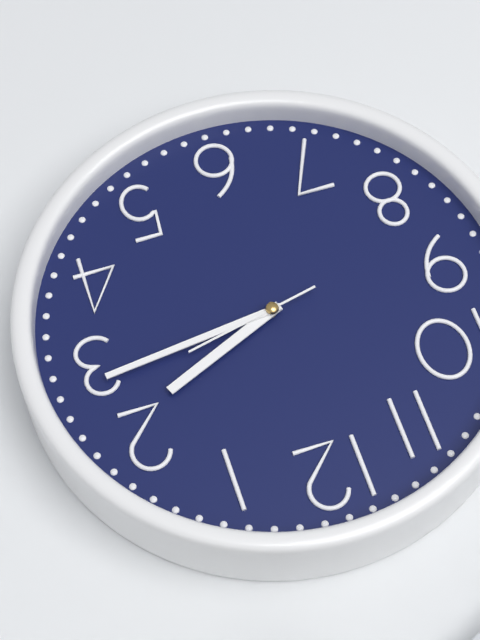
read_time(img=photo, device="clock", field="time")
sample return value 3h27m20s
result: 2h14m13s
